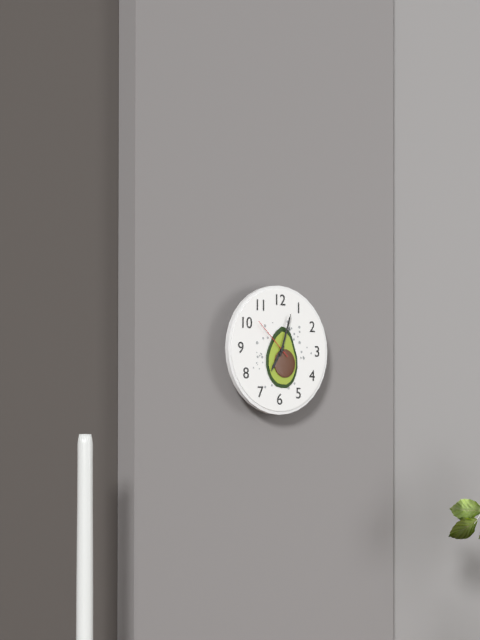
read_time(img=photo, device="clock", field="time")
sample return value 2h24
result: 7h03
